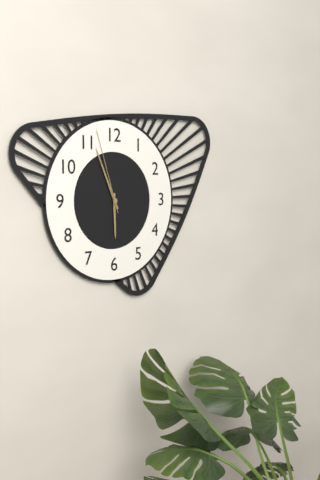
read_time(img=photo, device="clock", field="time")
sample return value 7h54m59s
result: 5h56m57s
